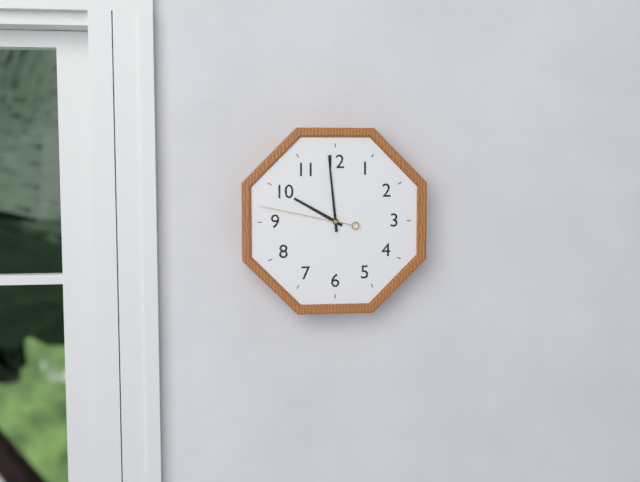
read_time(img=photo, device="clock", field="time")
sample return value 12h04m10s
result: 9h59m47s
